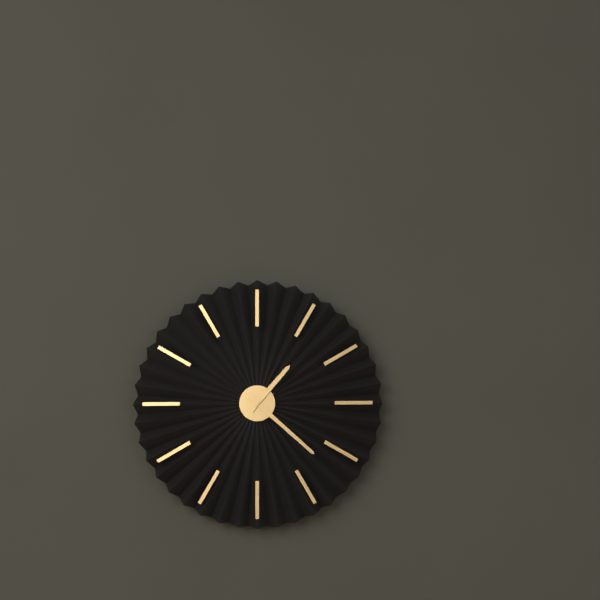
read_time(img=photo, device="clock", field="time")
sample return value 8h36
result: 1h22
